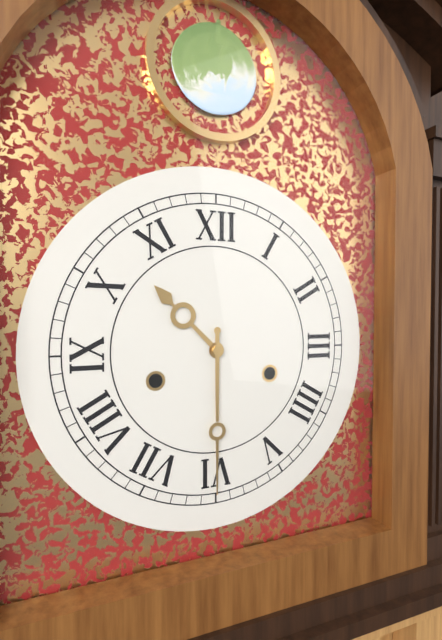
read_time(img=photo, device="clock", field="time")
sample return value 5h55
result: 10h30
